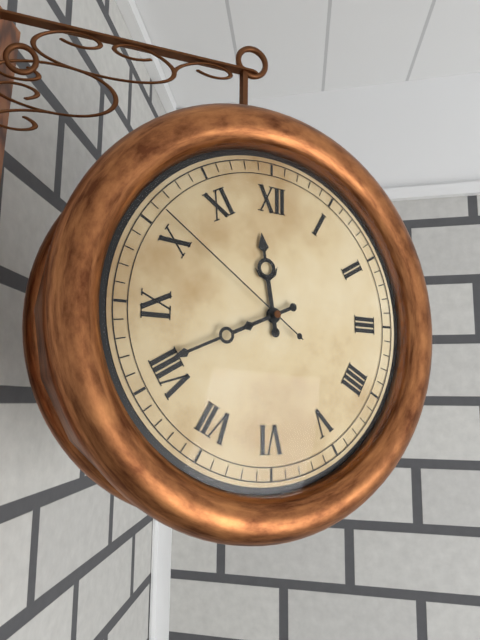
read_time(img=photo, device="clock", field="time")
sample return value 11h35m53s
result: 11h41m51s
